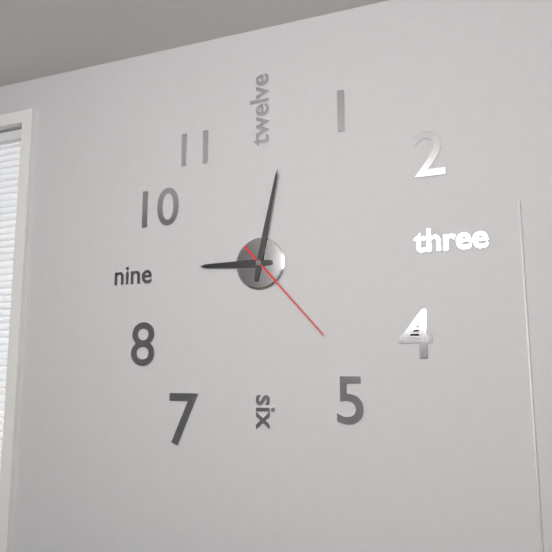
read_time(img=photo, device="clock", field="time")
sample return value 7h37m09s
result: 9h02m23s
